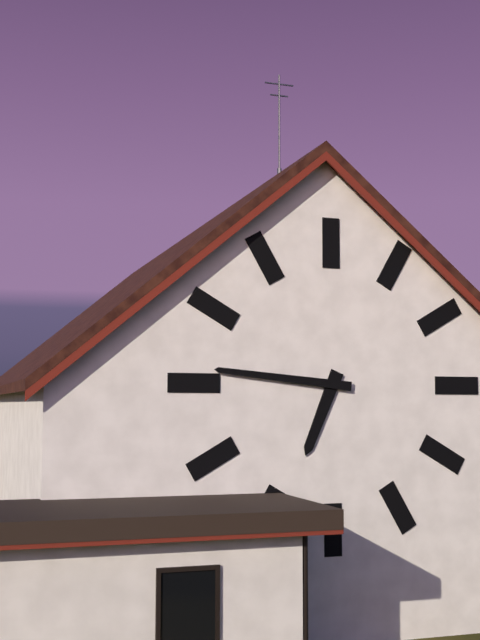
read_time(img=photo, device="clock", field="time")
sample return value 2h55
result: 6h46
